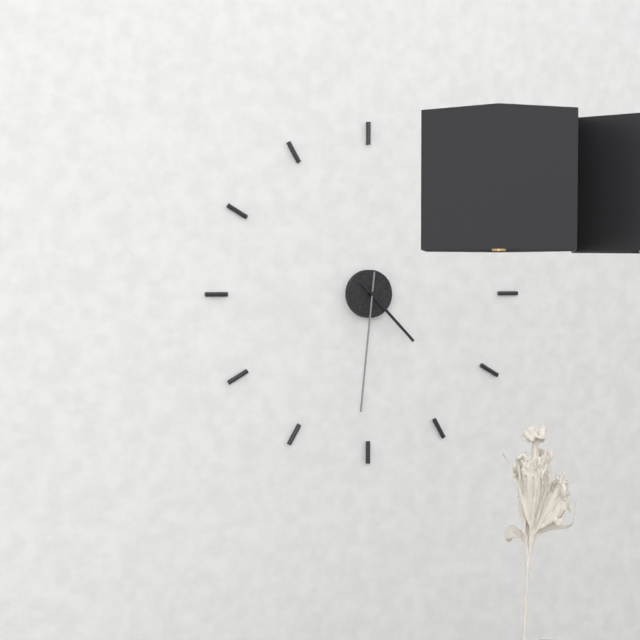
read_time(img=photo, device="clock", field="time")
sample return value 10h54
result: 4h31
